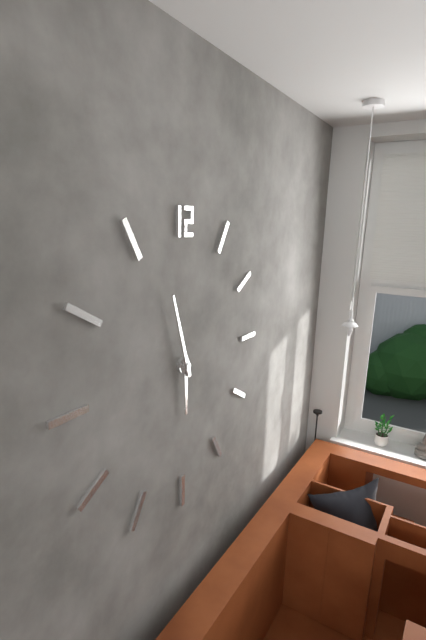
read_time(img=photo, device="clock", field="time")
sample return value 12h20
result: 5h57
